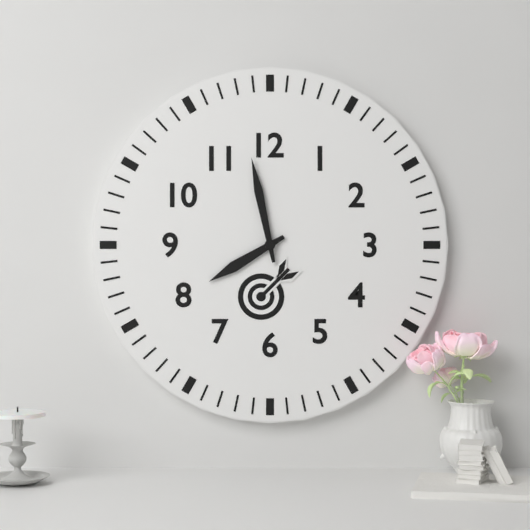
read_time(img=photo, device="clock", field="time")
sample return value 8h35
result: 7h58
